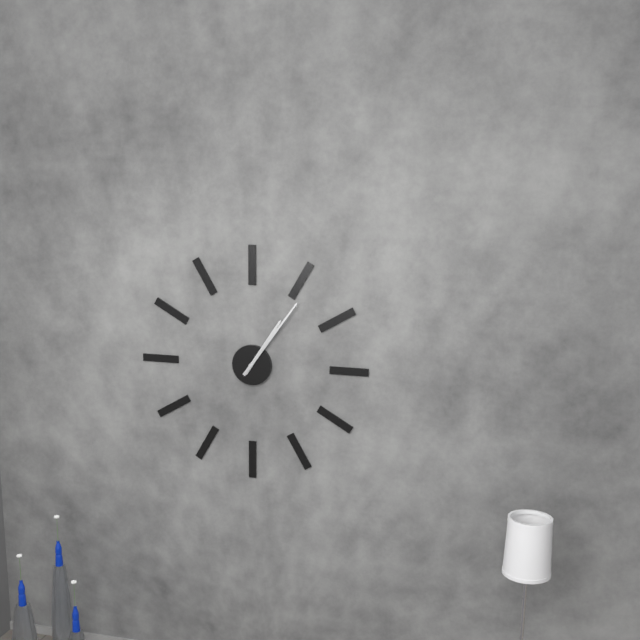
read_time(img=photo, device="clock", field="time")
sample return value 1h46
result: 1h06
